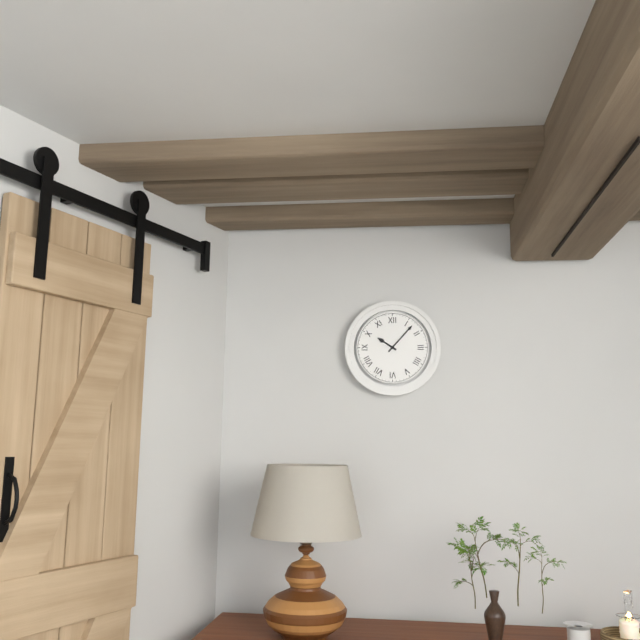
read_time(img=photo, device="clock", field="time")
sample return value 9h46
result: 10h07
